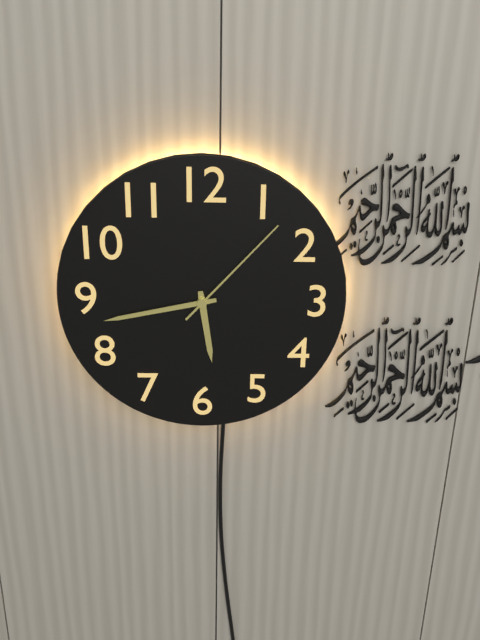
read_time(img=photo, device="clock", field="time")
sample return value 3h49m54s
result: 5h43m07s
